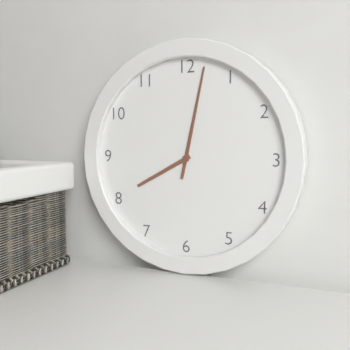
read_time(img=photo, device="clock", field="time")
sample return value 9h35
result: 8h02
